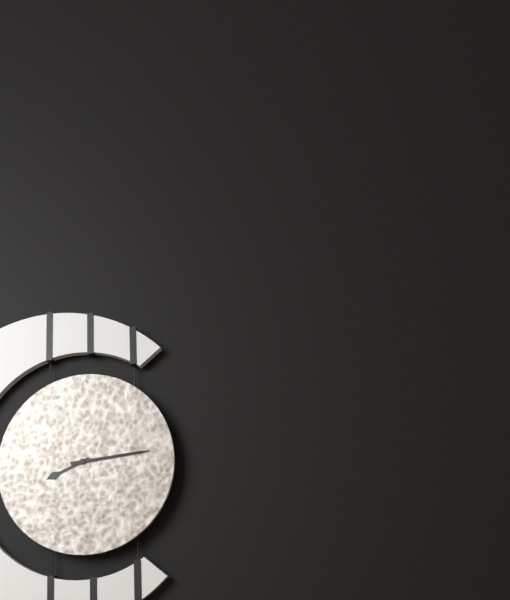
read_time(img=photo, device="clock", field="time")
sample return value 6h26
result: 8h14
